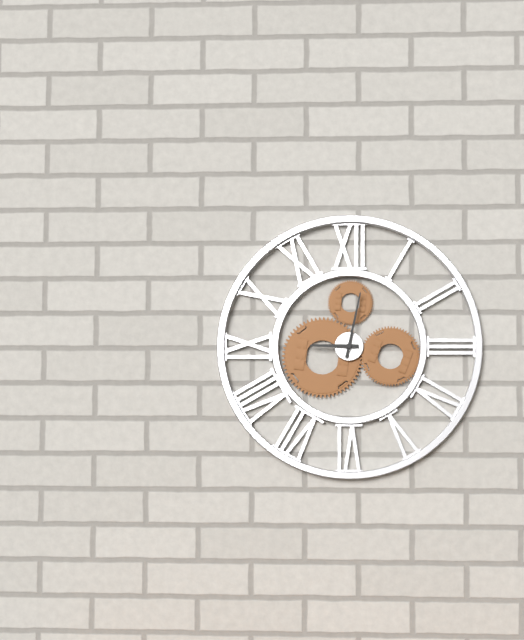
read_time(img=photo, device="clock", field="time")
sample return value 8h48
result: 9h02
